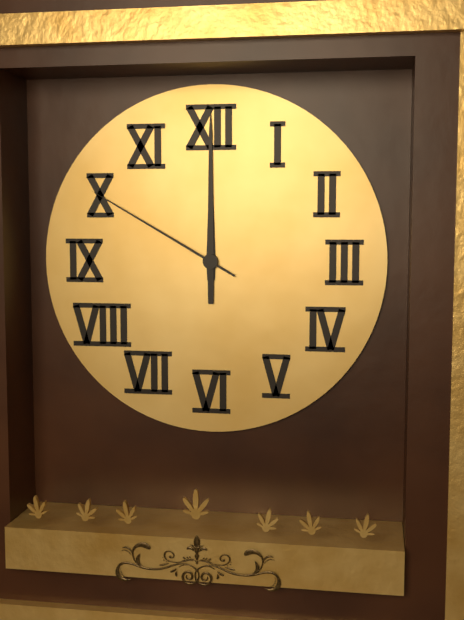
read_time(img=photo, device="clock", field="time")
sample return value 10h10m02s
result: 12h00m50s
